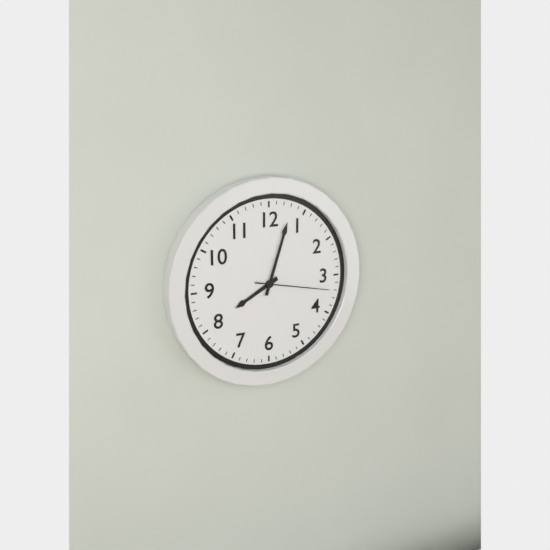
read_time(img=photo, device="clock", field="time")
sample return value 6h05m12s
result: 8h03m17s
